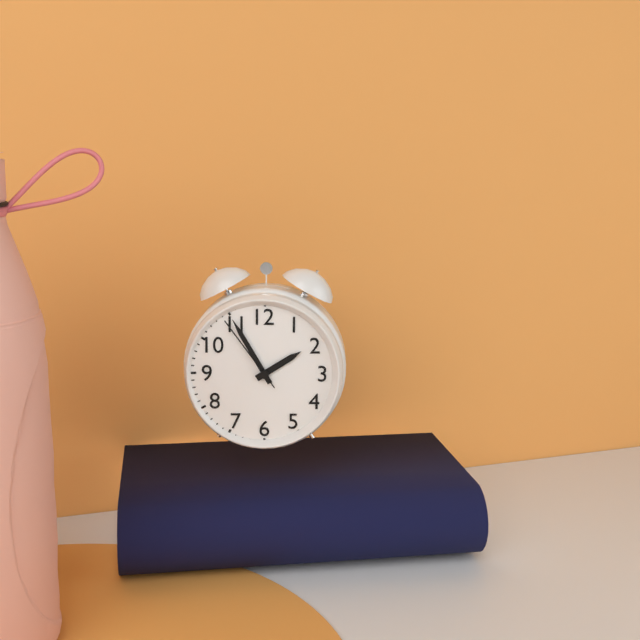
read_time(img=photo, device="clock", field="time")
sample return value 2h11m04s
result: 1h55m54s
